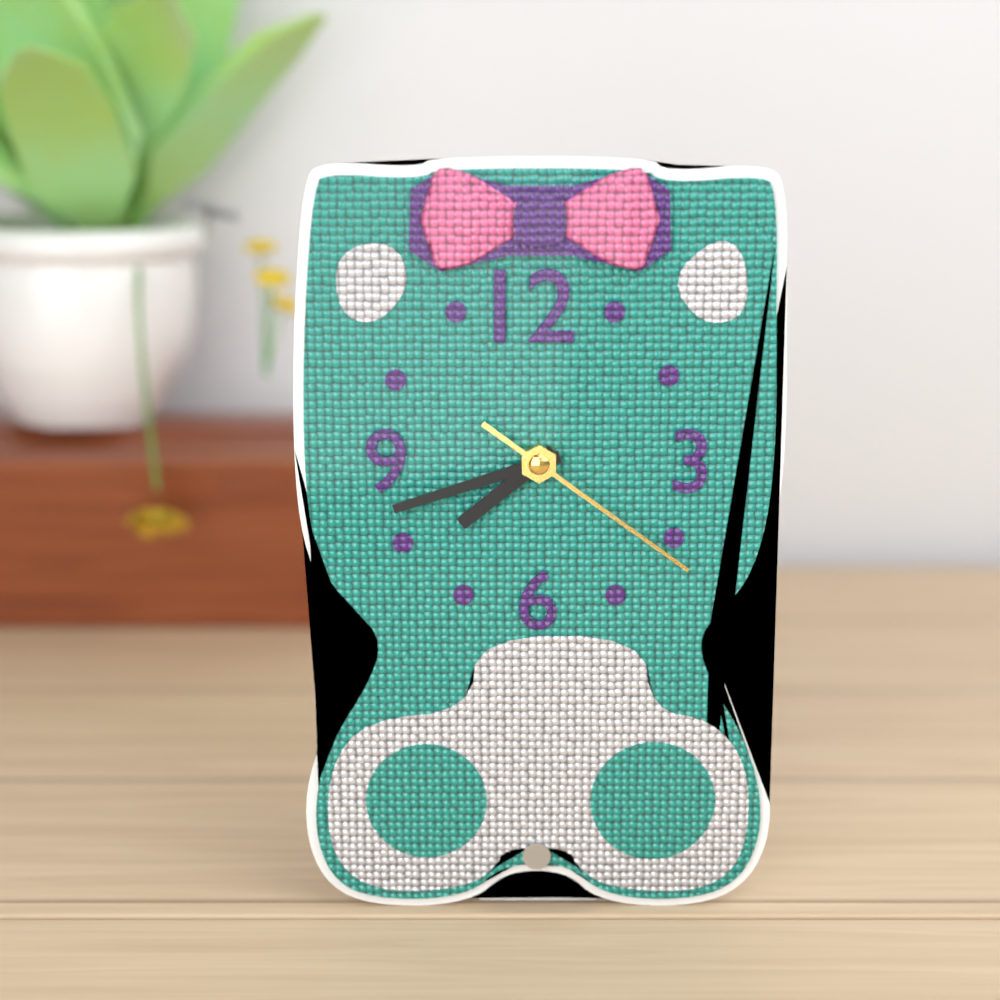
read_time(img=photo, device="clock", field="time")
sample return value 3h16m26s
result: 7h42m21s
